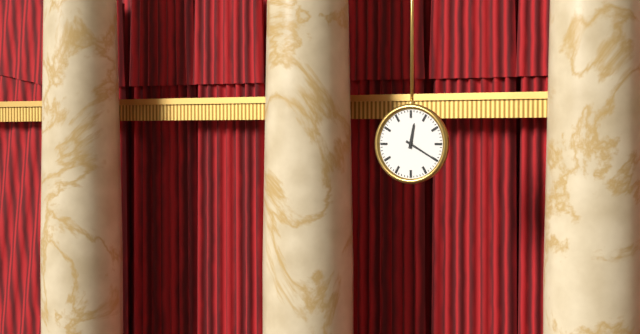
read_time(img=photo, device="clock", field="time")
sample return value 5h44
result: 12h20
